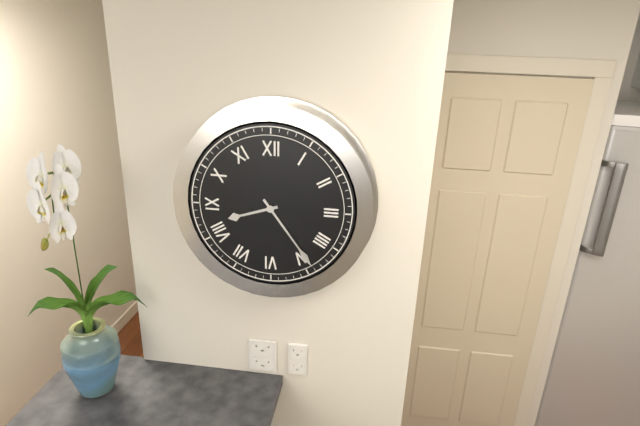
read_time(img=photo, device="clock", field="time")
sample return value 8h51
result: 8h24
